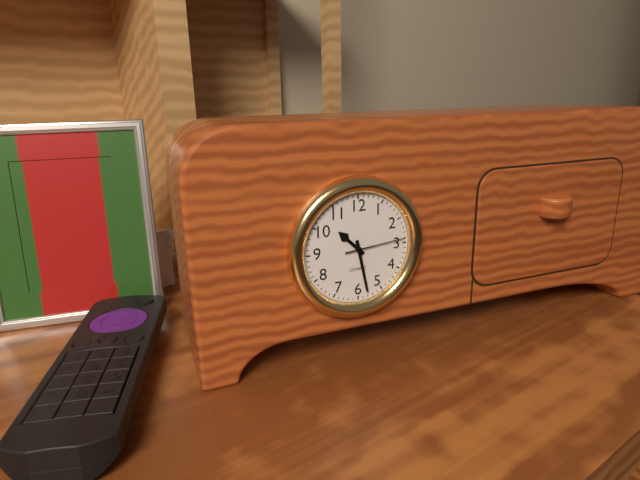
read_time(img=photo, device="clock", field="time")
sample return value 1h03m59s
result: 10h28m14s
